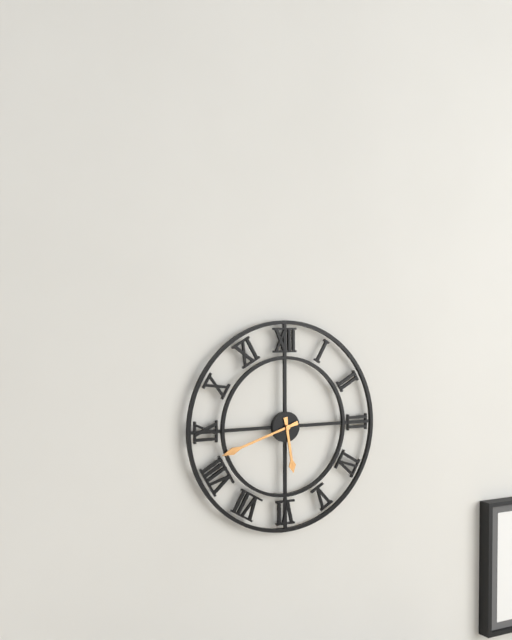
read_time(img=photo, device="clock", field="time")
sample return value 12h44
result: 5h42
